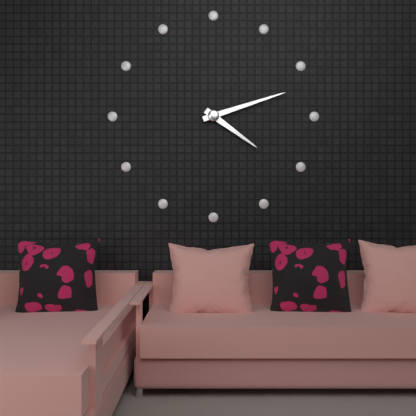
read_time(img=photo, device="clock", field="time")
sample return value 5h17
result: 4h12
